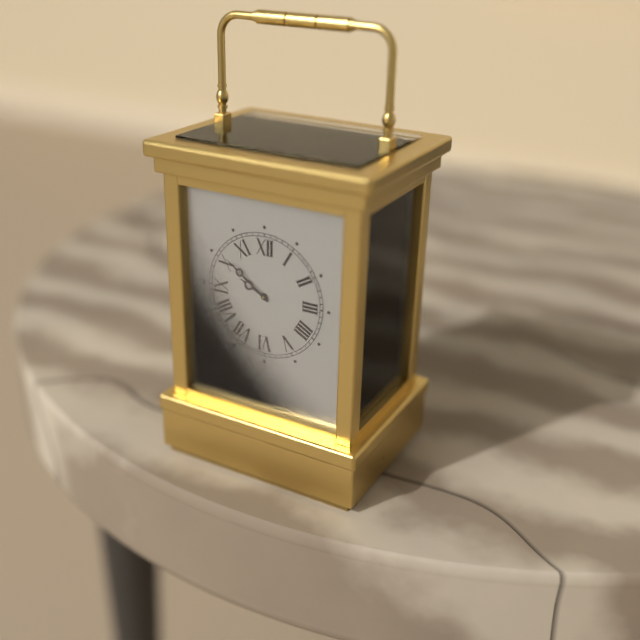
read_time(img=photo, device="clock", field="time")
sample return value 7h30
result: 9h51
